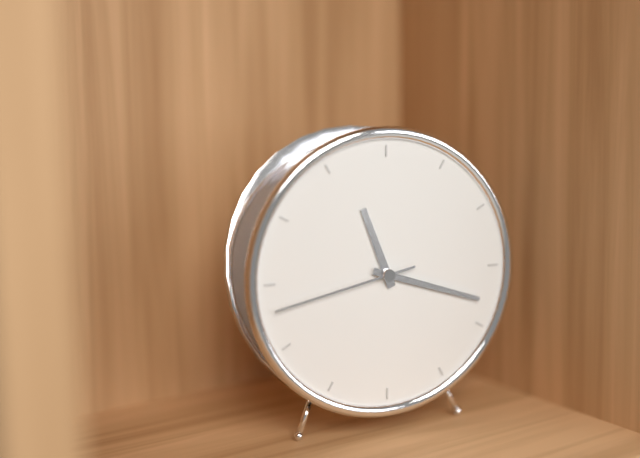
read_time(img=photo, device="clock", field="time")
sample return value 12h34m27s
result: 11h18m43s
